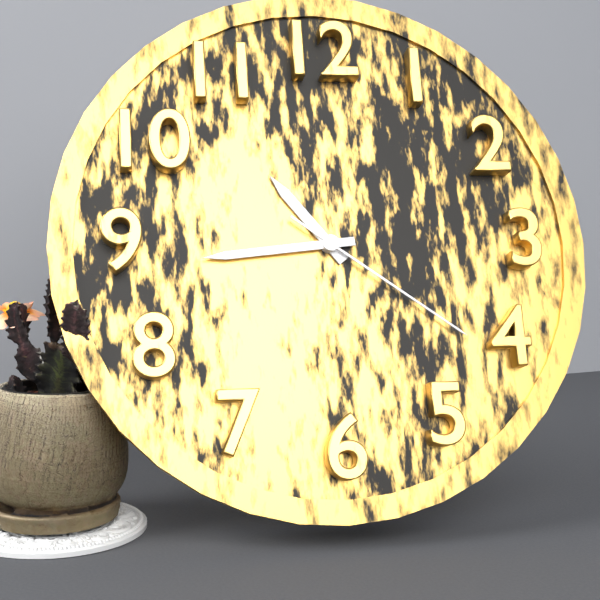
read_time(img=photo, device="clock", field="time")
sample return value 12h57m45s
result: 10h44m21s
